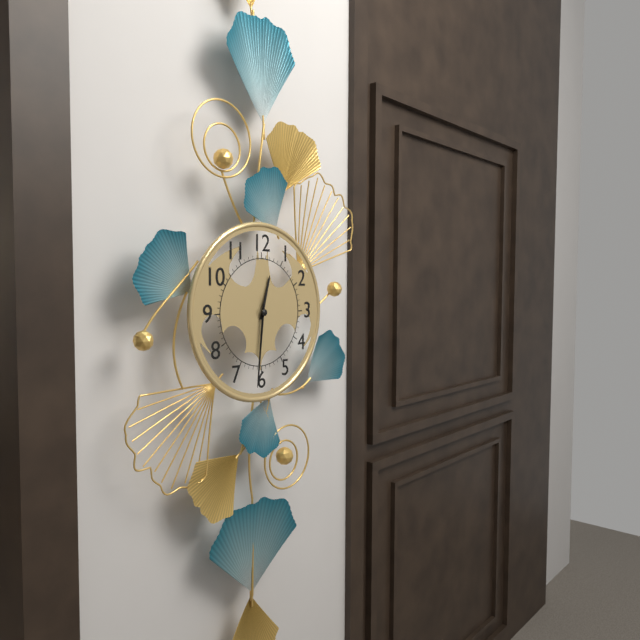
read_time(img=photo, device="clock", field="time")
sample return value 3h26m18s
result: 12h31m31s
